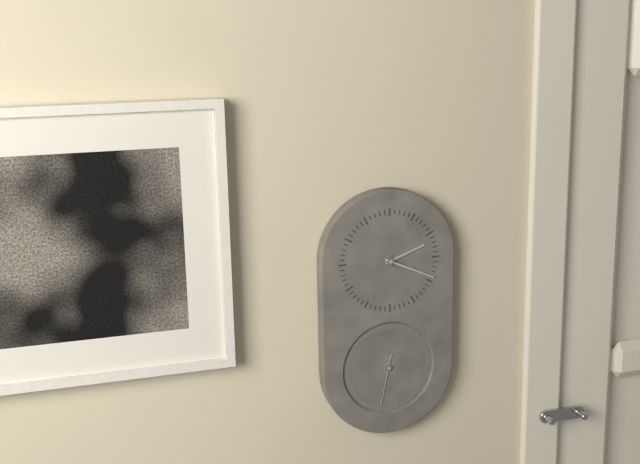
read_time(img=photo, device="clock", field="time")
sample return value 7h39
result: 2h19
